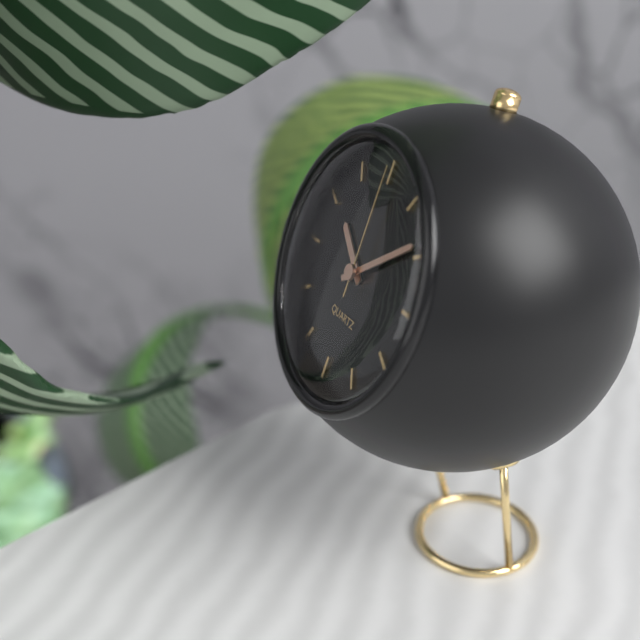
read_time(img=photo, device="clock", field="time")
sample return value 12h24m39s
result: 10h09m00s
